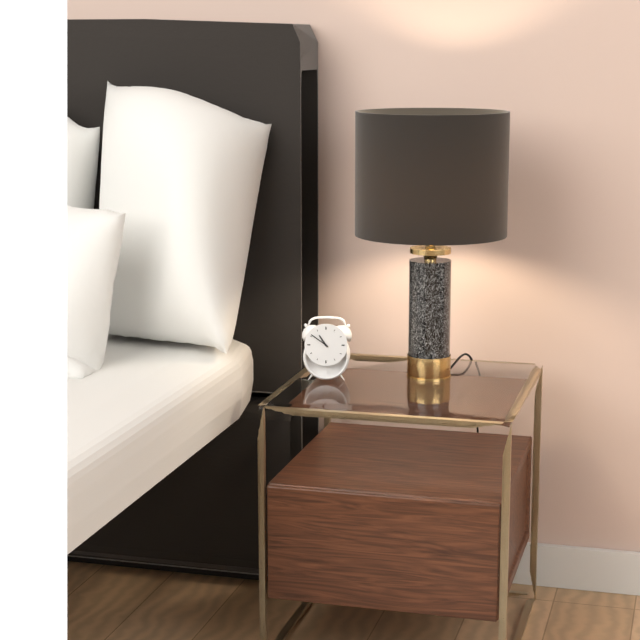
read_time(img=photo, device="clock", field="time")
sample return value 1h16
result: 10h51
